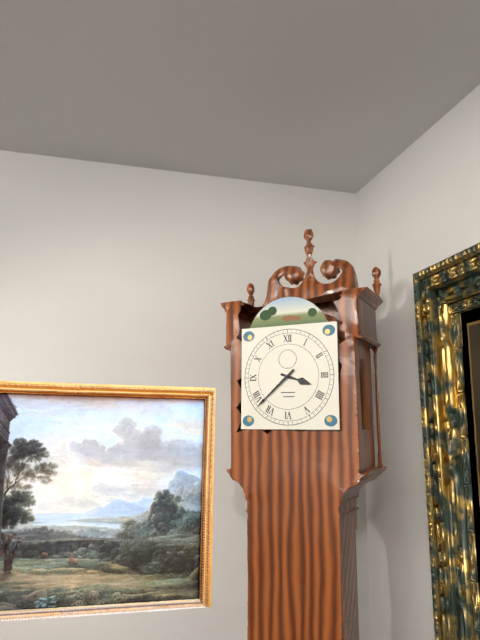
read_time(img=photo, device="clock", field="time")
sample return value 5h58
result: 3h38
